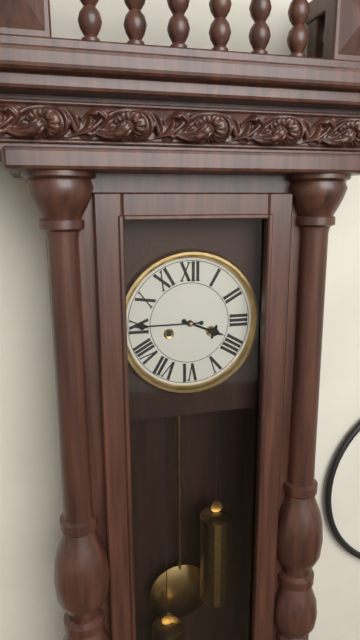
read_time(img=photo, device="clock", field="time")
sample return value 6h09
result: 3h45
